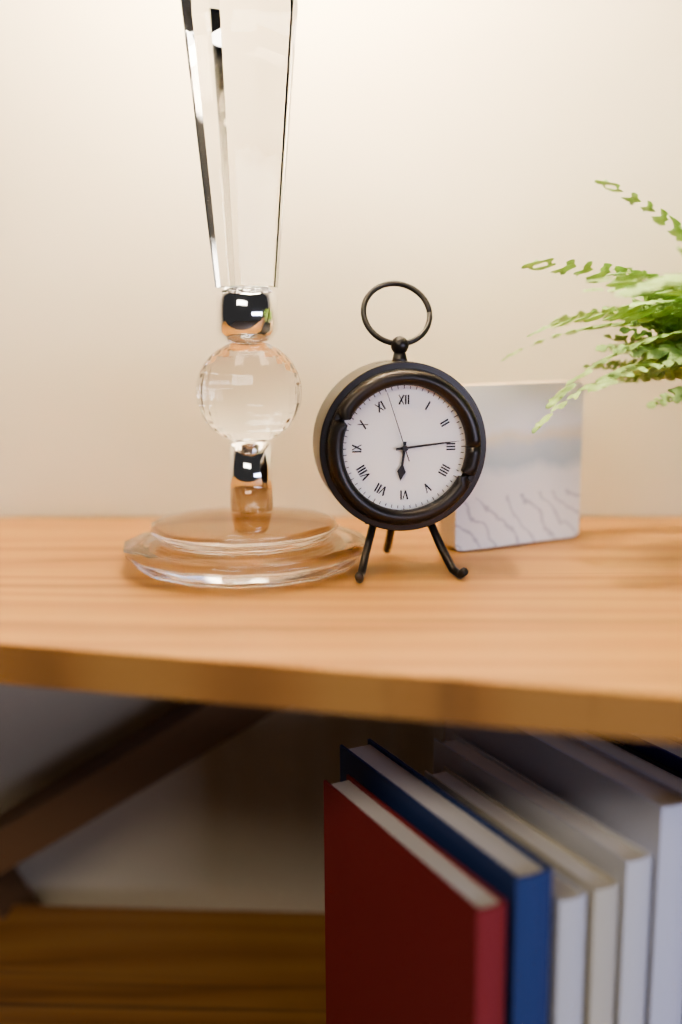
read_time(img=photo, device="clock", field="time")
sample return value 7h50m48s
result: 6h14m57s
